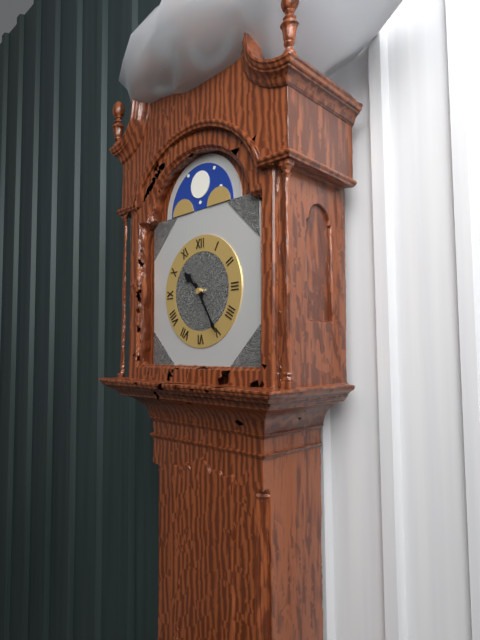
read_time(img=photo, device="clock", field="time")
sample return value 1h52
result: 10h25
